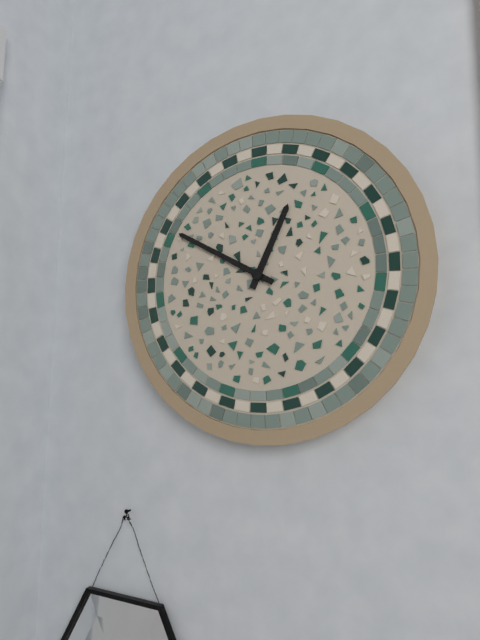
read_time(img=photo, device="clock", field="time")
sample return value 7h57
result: 12h50
